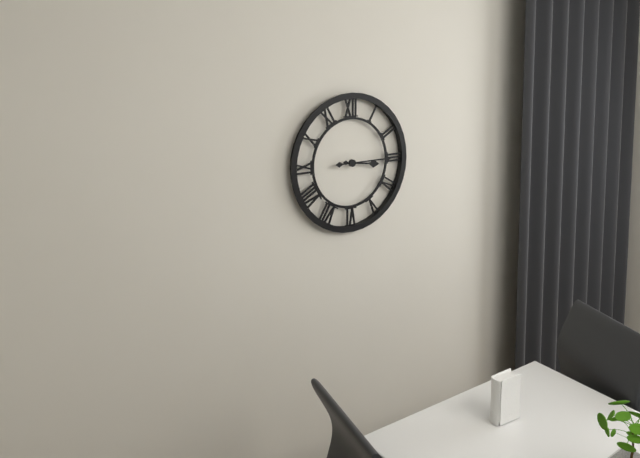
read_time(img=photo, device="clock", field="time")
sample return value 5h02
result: 3h15
